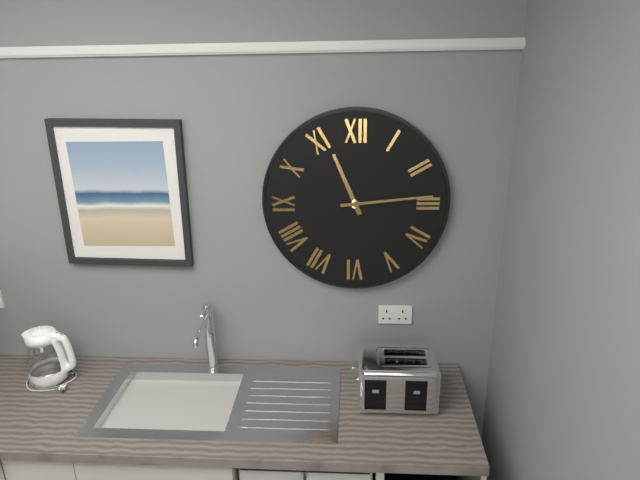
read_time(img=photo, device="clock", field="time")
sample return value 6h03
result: 11h14
